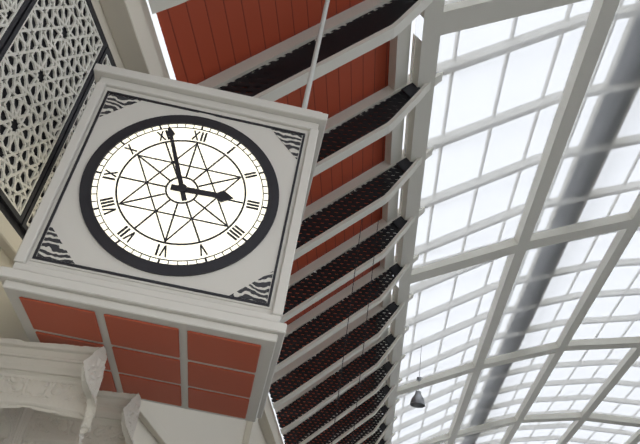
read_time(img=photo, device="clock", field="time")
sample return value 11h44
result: 2h56
